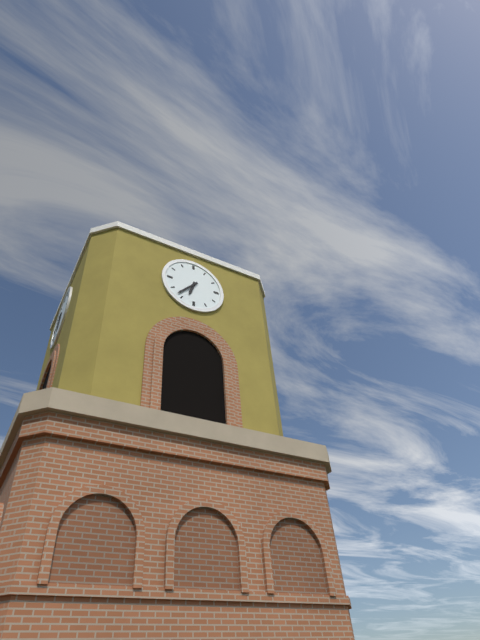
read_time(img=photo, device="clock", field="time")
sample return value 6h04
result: 6h37
